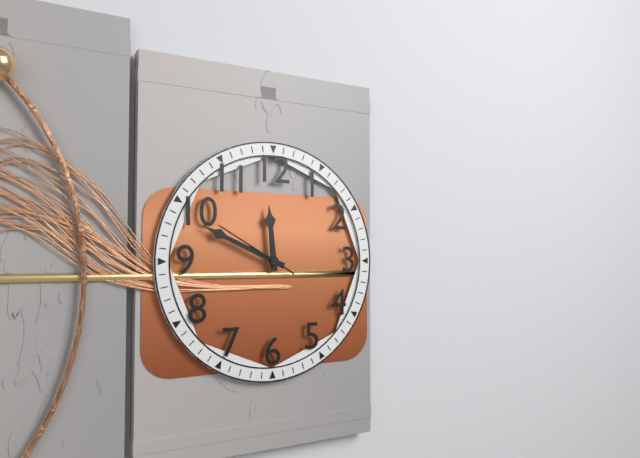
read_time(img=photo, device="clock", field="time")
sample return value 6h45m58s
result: 11h49m50s
